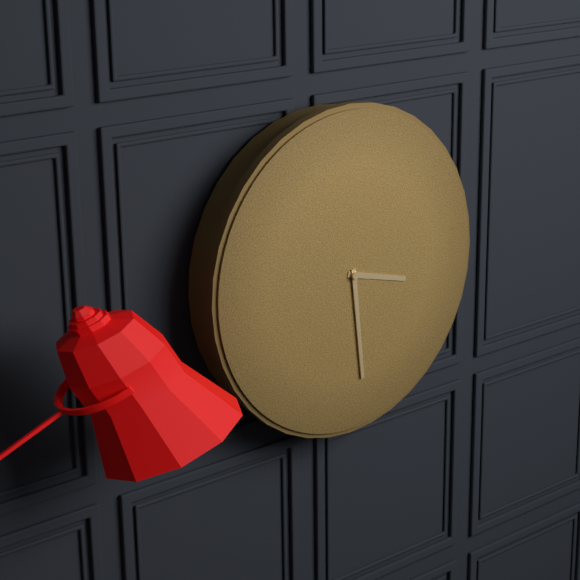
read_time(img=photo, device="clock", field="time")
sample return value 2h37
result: 3h29
